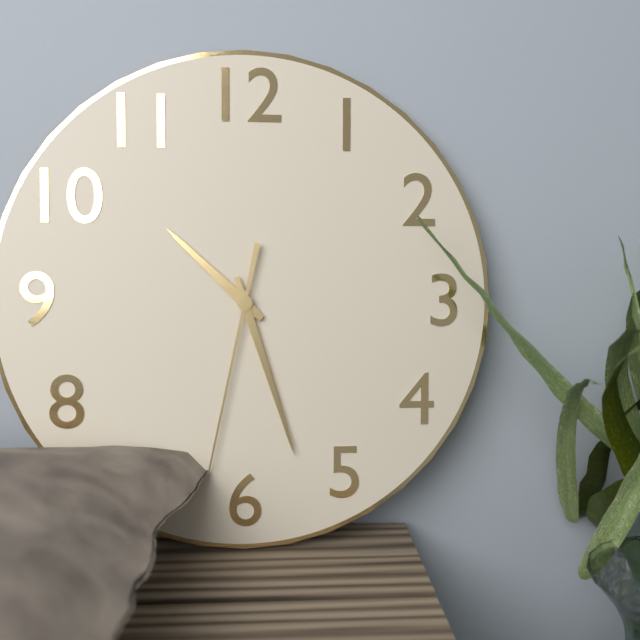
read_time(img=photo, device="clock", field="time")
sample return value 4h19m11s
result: 10h27m32s
